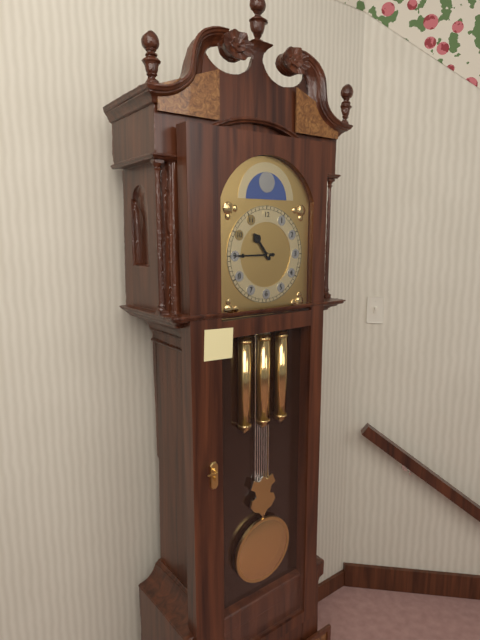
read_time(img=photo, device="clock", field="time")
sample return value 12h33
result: 10h45
